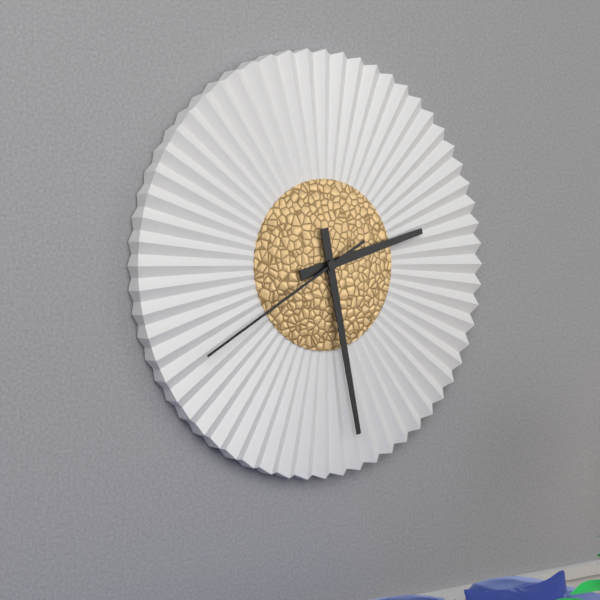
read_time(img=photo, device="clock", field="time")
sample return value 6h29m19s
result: 2h28m40s
